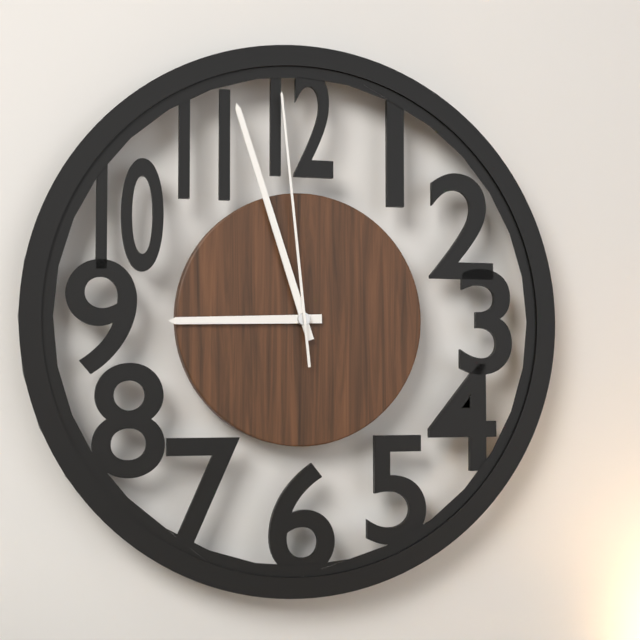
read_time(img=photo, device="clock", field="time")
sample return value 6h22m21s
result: 8h57m59s
